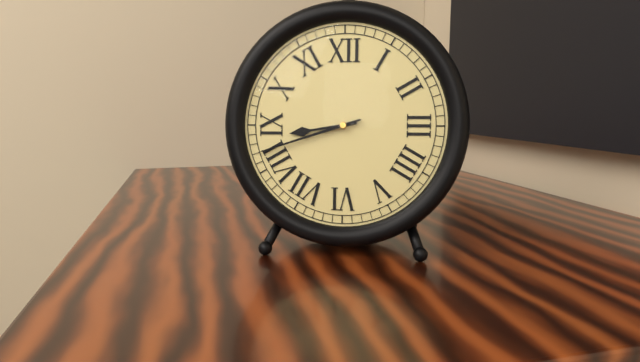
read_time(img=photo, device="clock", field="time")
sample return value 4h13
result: 8h42
